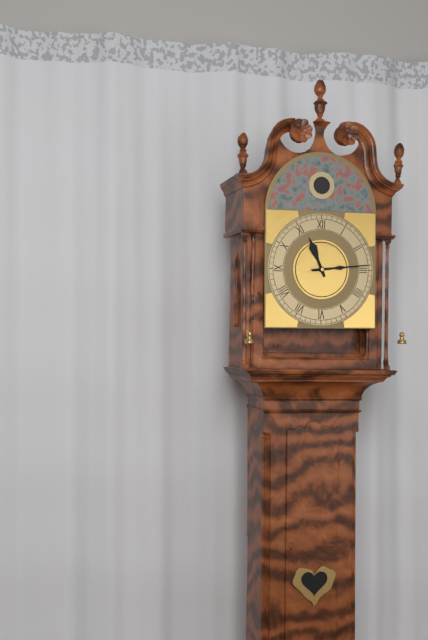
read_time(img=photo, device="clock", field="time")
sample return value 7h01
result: 11h14
